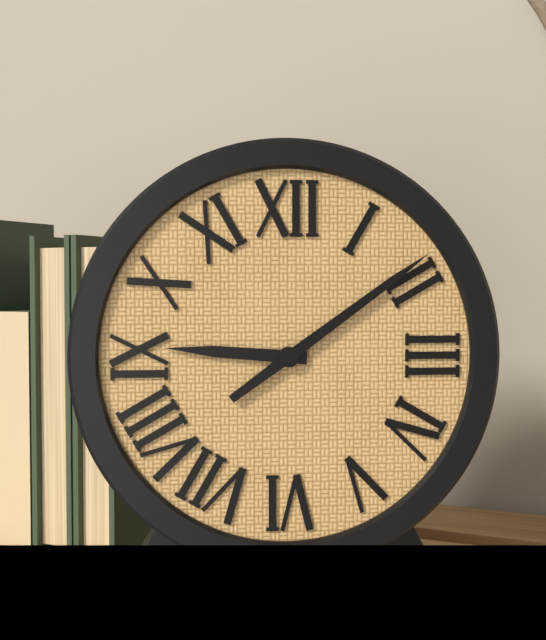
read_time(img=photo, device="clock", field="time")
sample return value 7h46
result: 9h09
